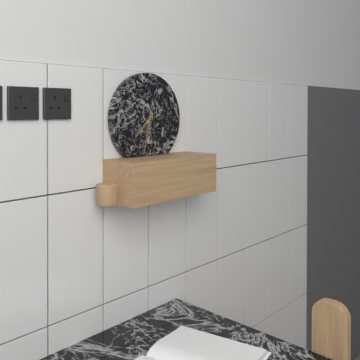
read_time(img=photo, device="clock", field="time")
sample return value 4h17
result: 7h32
